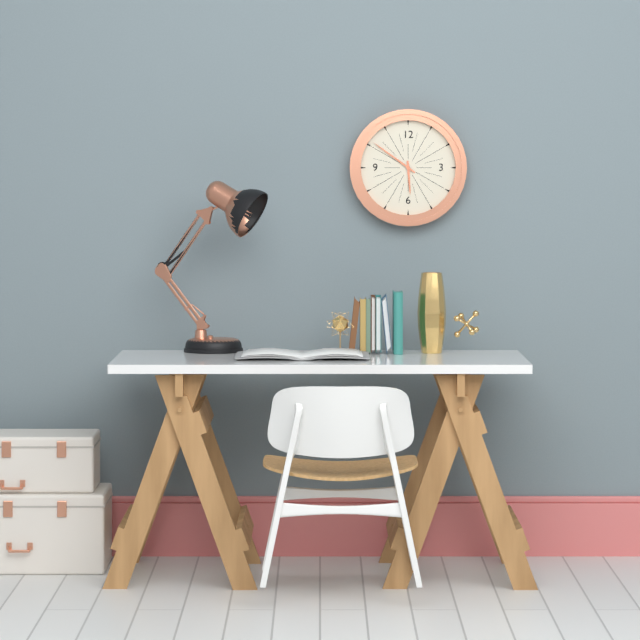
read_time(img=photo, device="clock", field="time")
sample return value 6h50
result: 5h51
